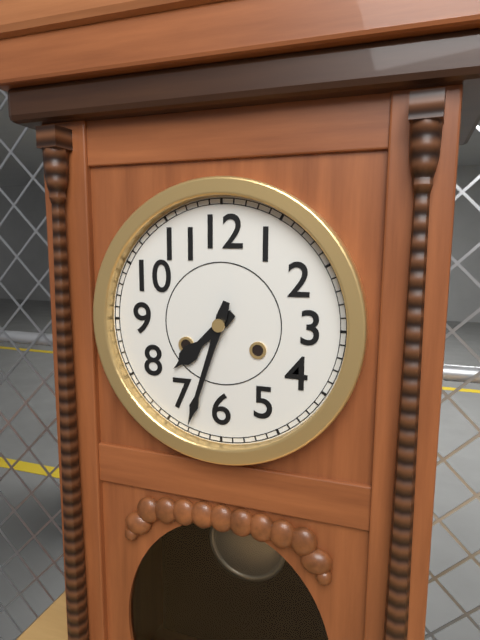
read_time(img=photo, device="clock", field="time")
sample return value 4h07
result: 7h33
